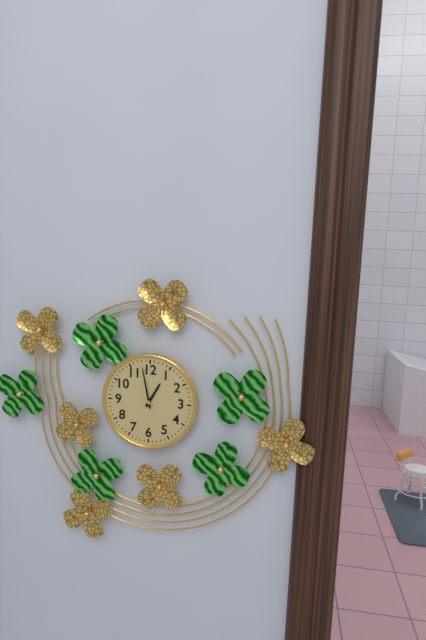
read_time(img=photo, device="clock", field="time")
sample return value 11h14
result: 12h58
